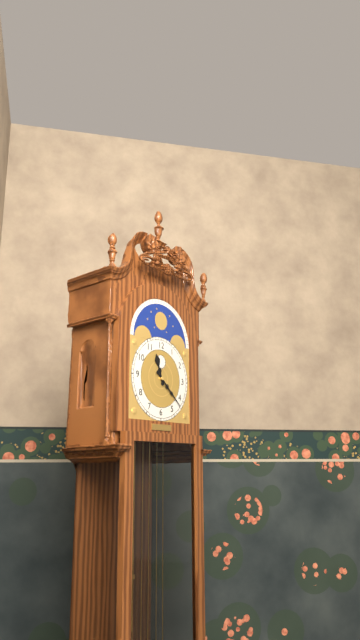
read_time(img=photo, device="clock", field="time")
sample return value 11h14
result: 11h22
